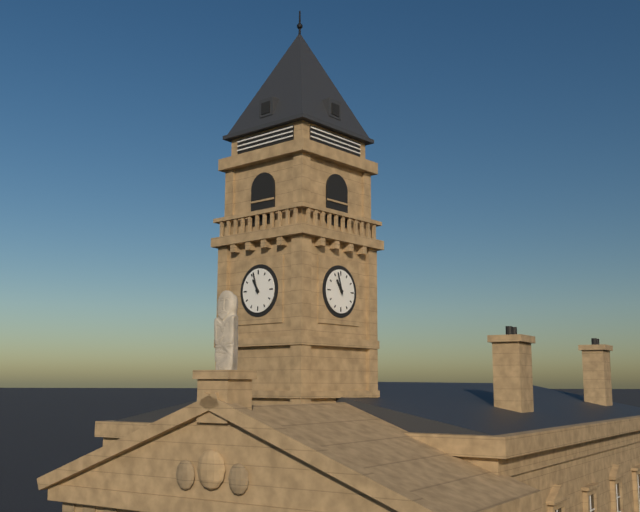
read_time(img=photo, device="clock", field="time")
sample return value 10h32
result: 10h57
